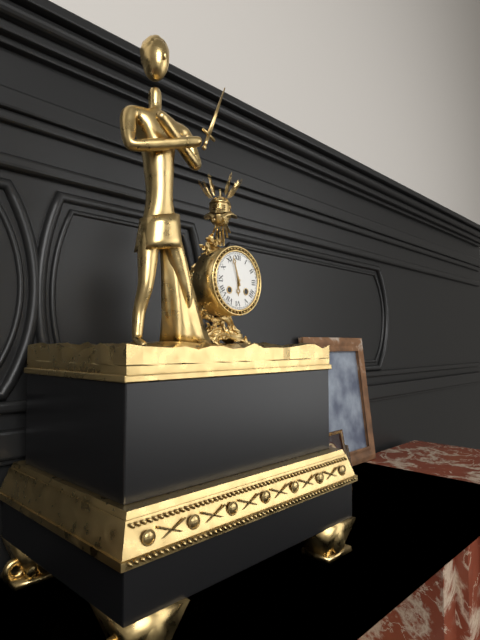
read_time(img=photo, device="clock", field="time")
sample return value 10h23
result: 5h57
